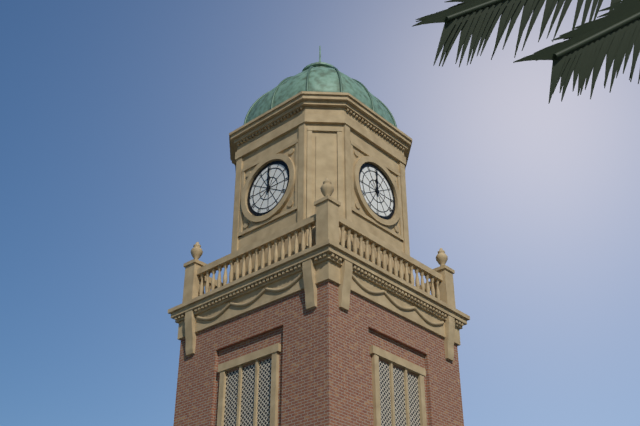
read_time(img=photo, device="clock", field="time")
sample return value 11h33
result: 12h00
